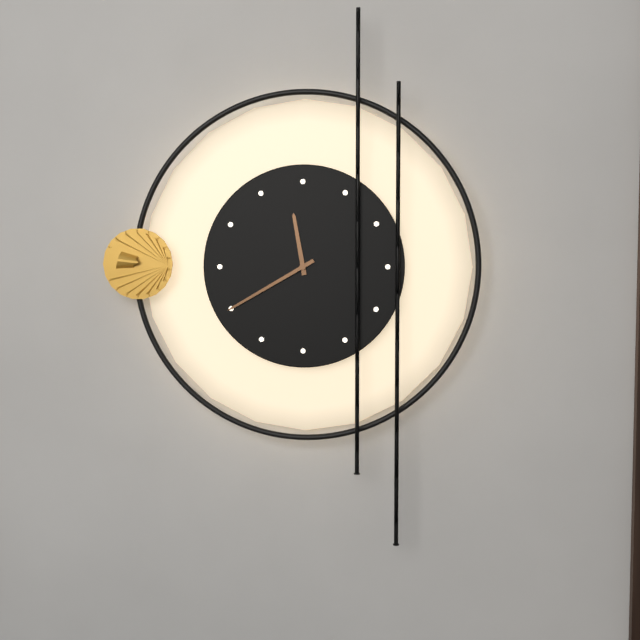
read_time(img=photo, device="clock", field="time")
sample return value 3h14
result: 11h40
